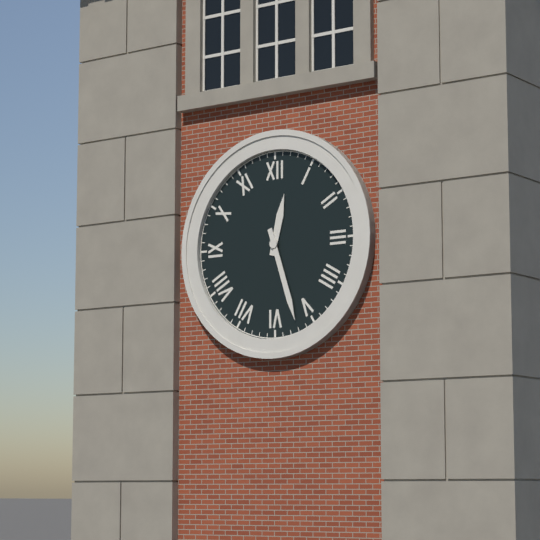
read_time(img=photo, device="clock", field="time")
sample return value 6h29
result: 12h27
